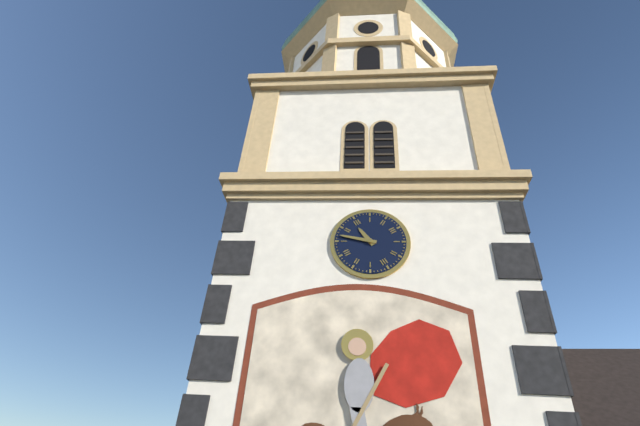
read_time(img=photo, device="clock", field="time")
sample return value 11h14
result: 10h47
